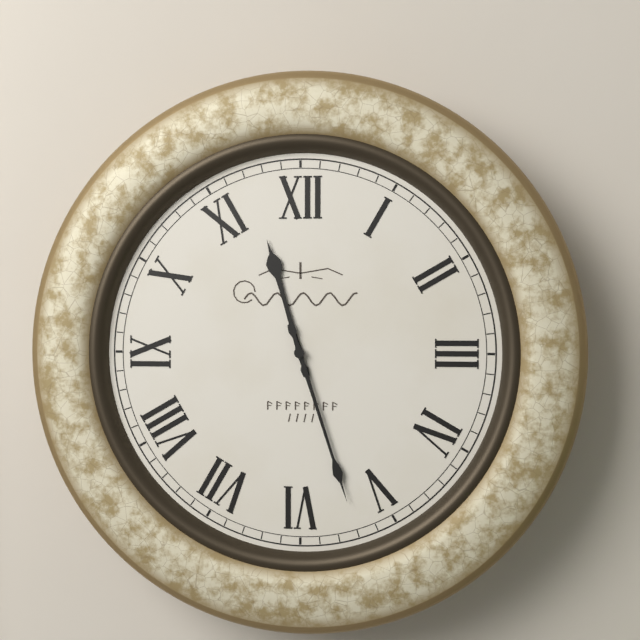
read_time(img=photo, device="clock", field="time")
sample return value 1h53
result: 11h27
